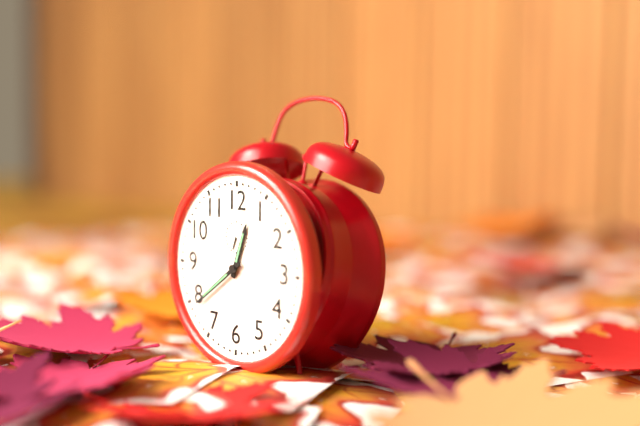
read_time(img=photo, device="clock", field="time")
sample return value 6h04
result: 12h39
